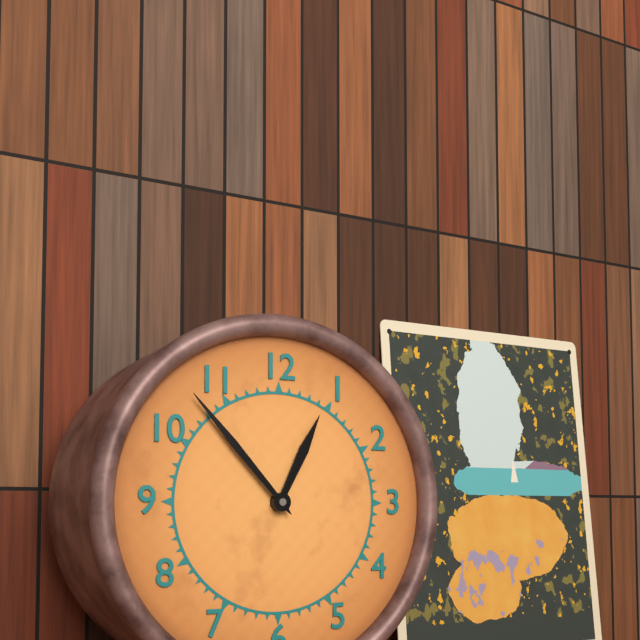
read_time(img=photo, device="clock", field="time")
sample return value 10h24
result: 12h53
